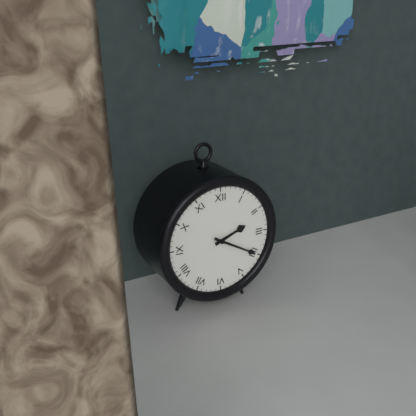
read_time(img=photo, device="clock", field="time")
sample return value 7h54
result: 2h20
